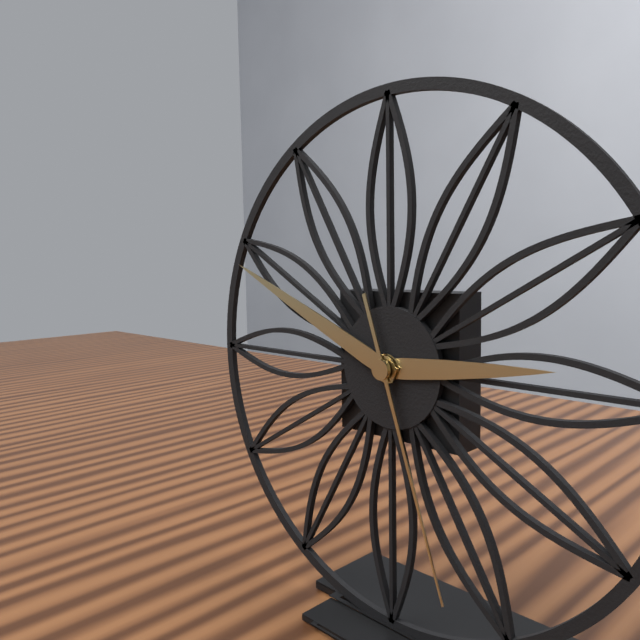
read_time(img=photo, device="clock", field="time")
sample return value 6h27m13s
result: 2h49m27s
